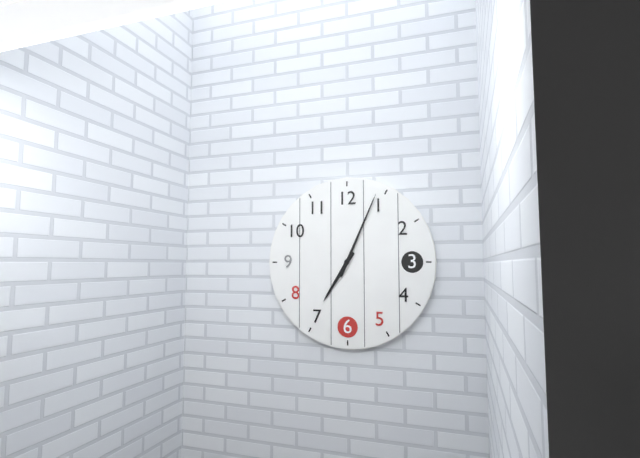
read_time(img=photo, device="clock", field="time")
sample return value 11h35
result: 7h04
